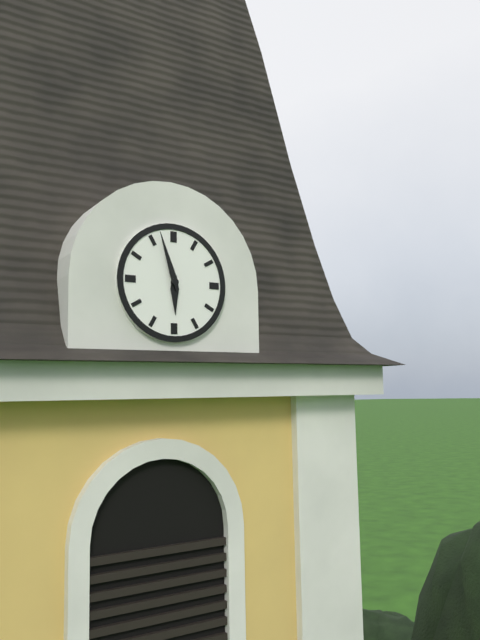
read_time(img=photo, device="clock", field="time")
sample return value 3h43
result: 5h57
